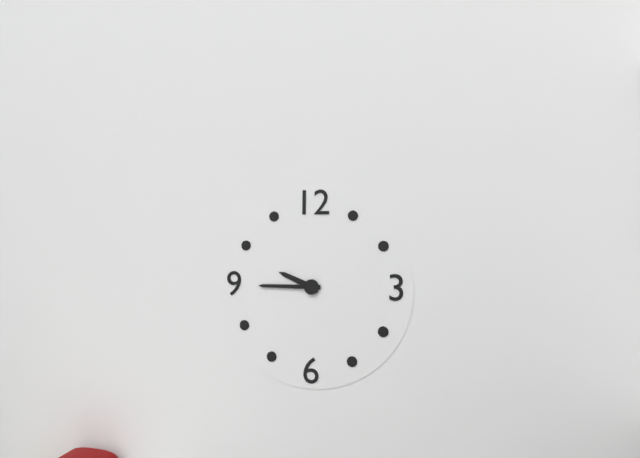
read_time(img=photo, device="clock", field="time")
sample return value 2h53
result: 9h45
